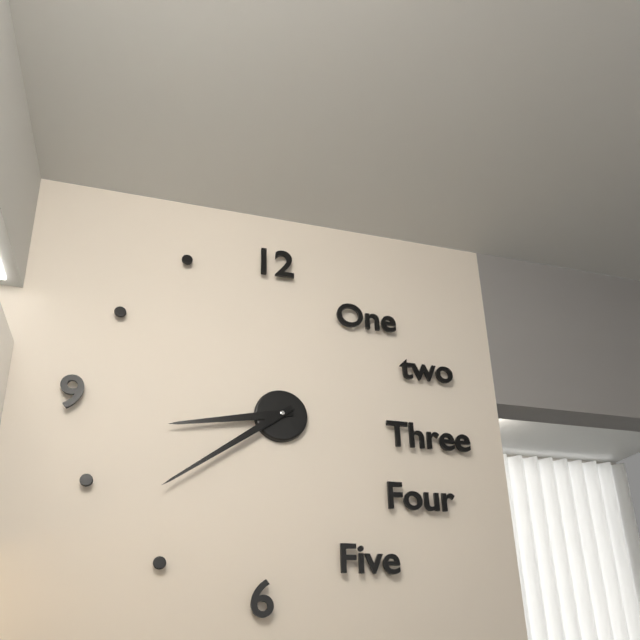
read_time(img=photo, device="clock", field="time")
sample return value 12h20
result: 8h39
